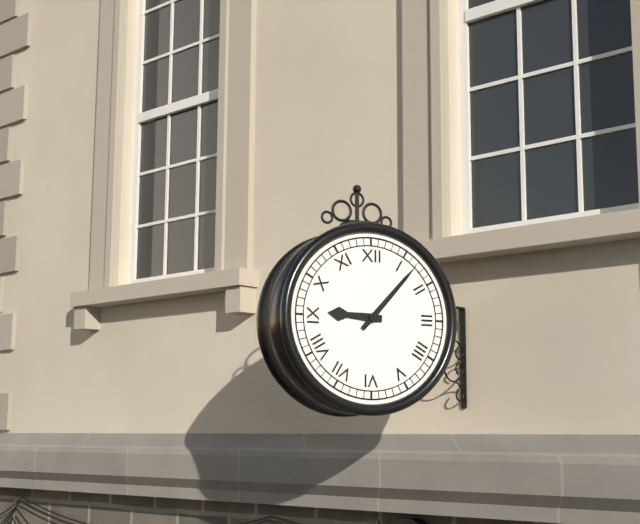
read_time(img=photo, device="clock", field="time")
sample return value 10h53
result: 9h07
